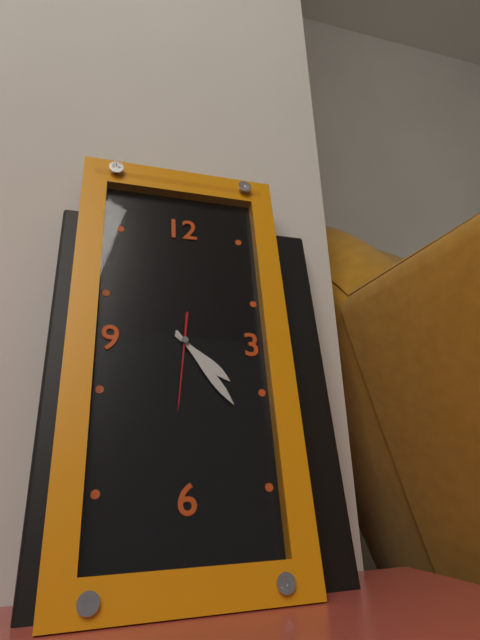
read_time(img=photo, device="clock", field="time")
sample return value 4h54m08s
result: 4h24m31s
